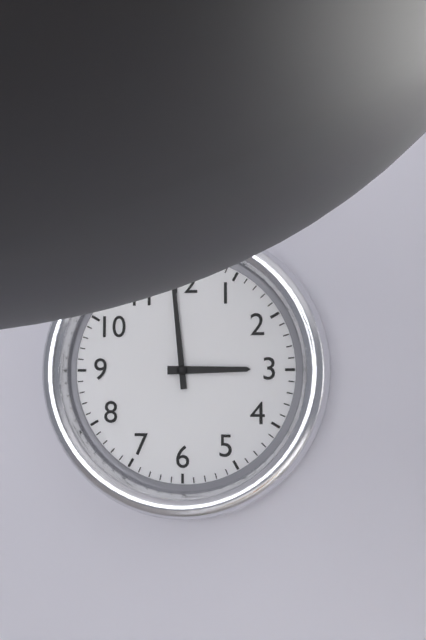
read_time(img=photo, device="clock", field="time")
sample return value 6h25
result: 2h59
